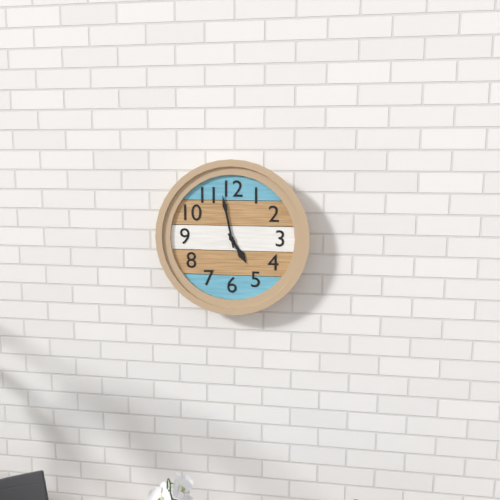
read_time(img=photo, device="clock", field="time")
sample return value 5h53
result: 4h58
